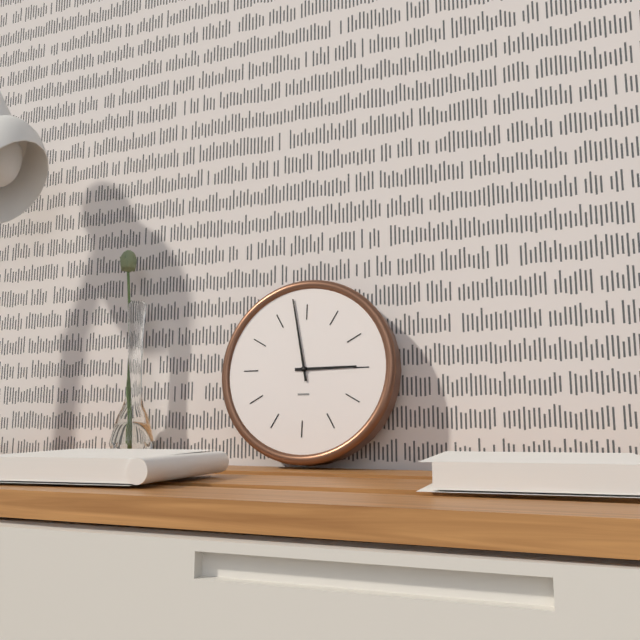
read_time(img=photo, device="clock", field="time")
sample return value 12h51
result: 2h58
